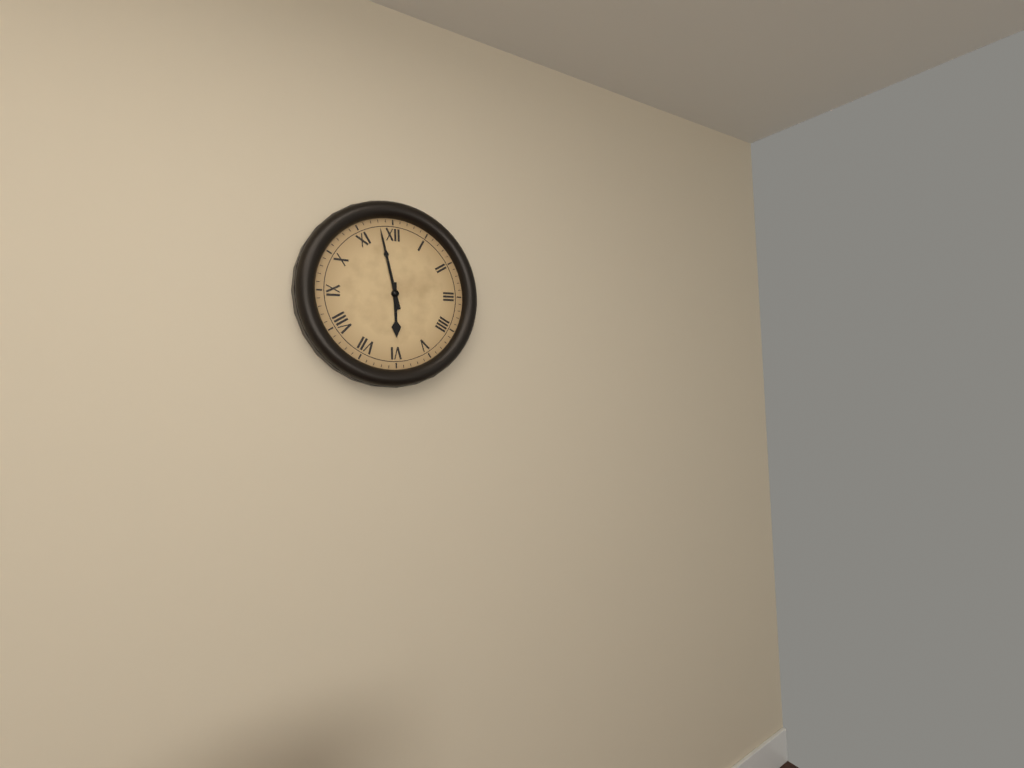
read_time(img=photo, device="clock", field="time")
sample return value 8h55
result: 5h58
